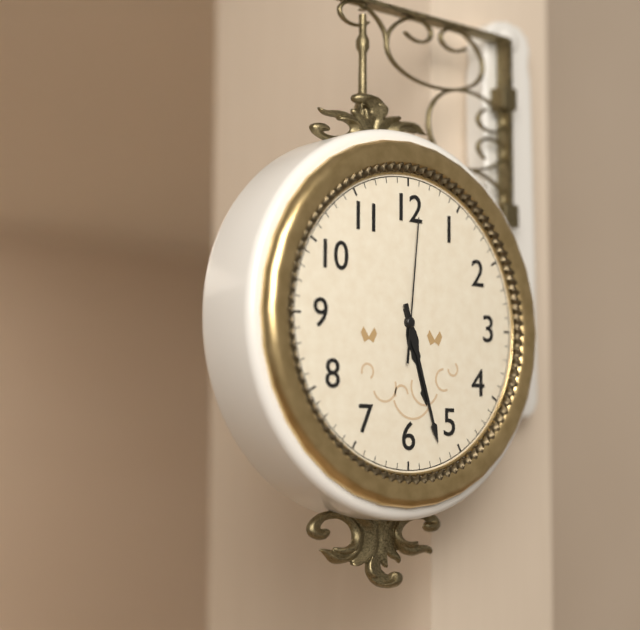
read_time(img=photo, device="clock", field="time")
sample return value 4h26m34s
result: 5h27m01s
